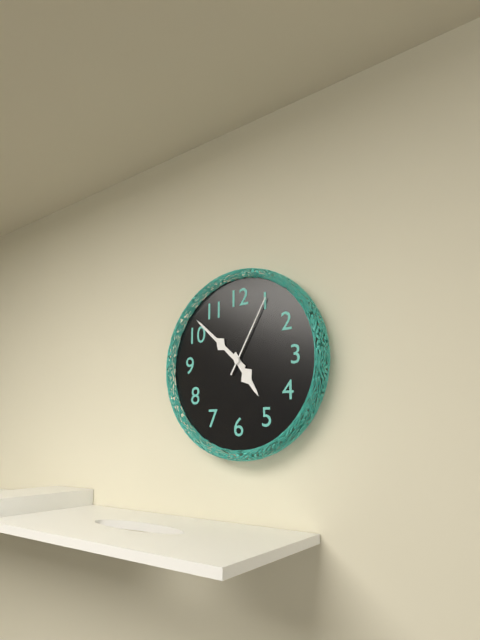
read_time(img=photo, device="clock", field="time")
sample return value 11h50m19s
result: 4h52m05s
